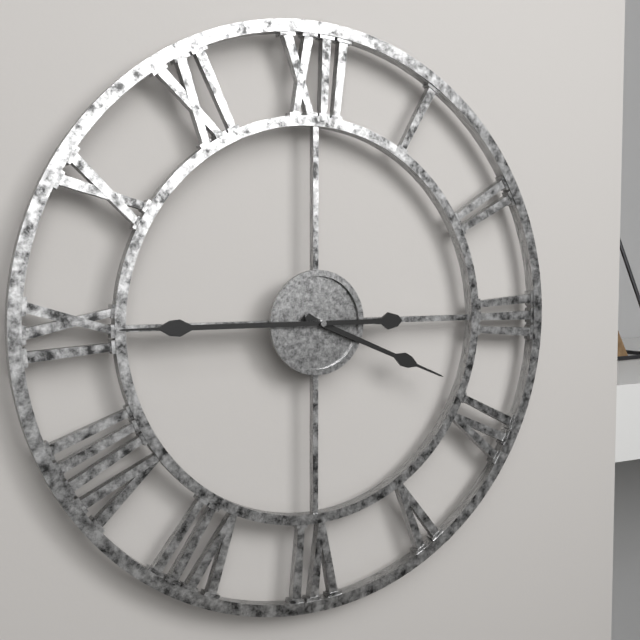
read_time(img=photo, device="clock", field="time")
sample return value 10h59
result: 3h45
